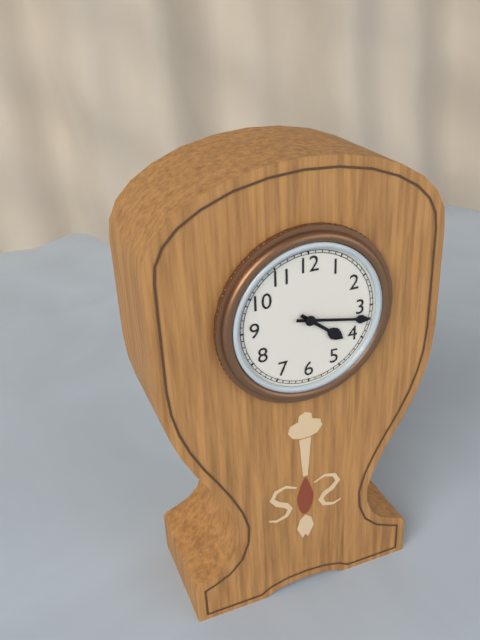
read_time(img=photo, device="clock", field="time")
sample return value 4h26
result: 4h17
